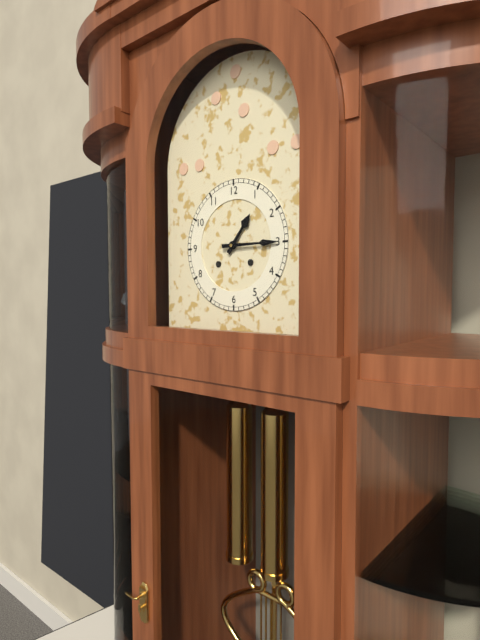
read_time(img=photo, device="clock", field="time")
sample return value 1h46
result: 1h15
